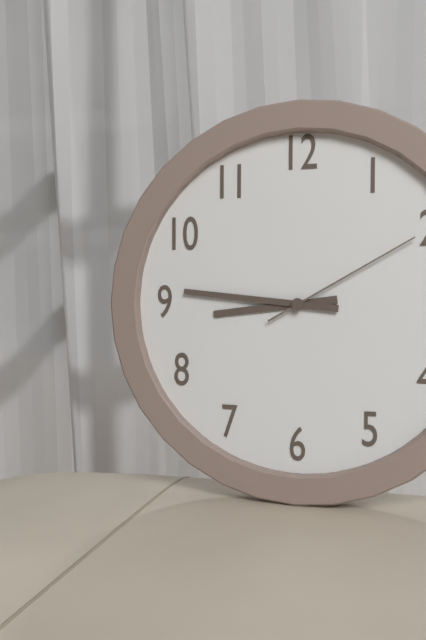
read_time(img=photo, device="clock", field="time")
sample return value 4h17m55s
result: 8h46m10s
